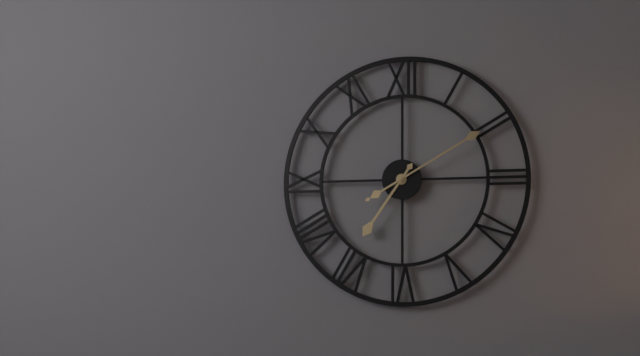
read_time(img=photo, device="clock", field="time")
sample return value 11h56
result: 7h10
